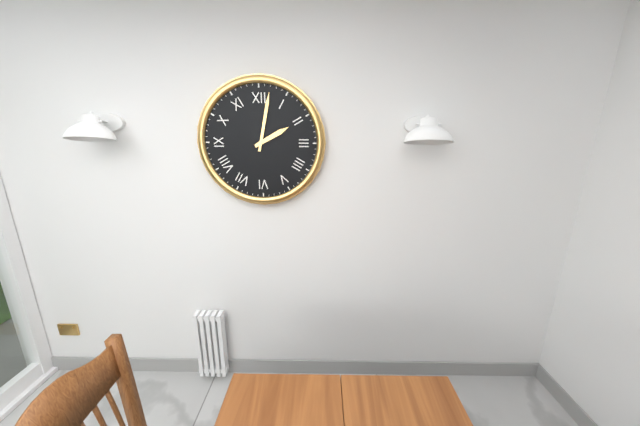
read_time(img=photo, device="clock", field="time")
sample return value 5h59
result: 2h02
